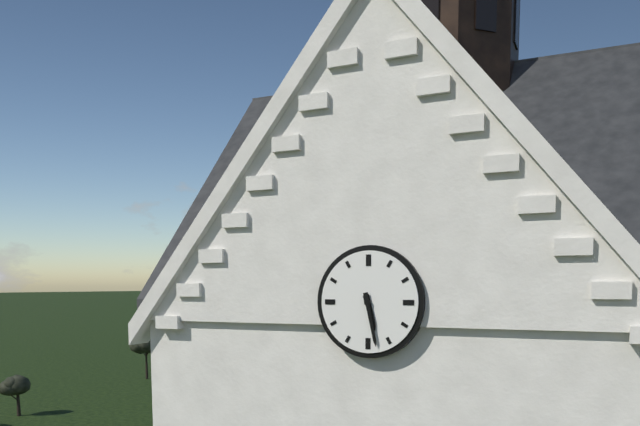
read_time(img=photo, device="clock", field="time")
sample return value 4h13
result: 5h28
